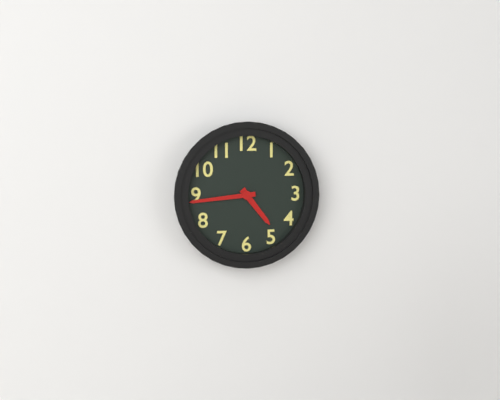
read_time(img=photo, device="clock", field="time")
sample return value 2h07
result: 4h44
